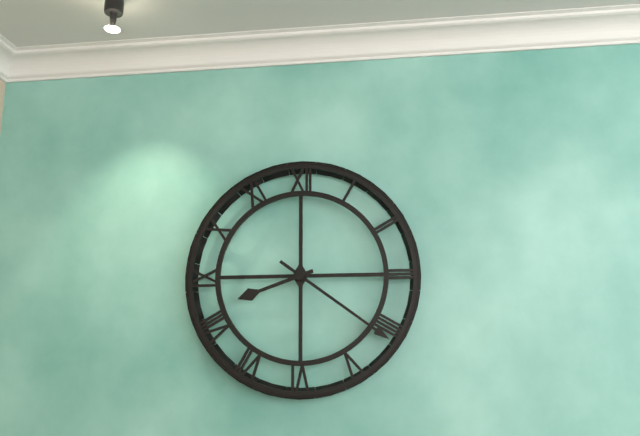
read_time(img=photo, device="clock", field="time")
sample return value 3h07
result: 8h21
